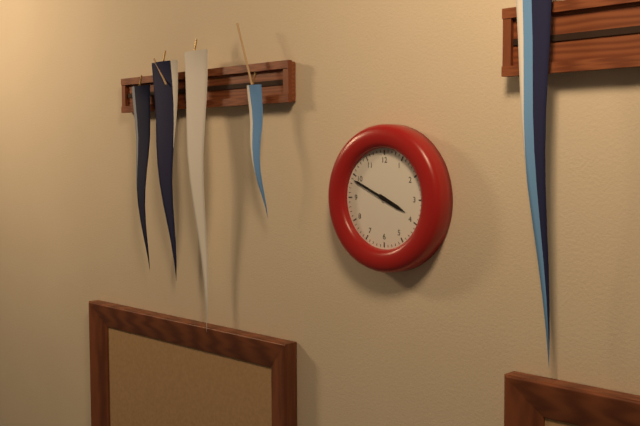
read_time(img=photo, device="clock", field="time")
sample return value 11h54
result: 3h49
